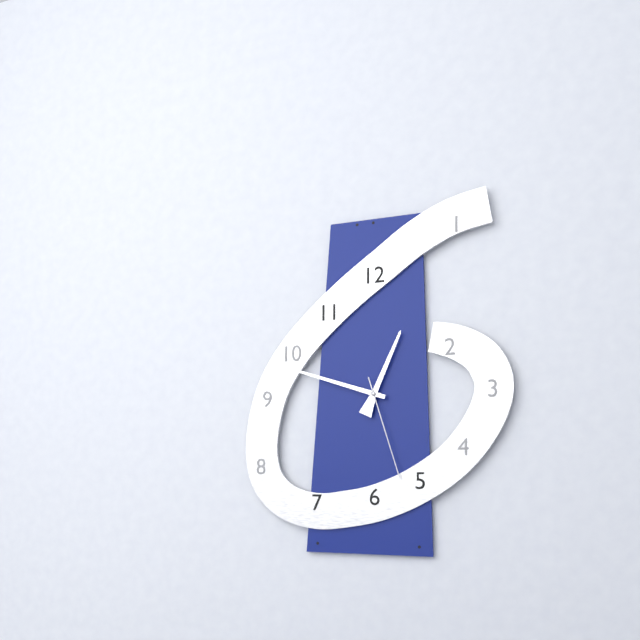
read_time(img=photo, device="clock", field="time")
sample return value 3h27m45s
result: 12h48m27s
